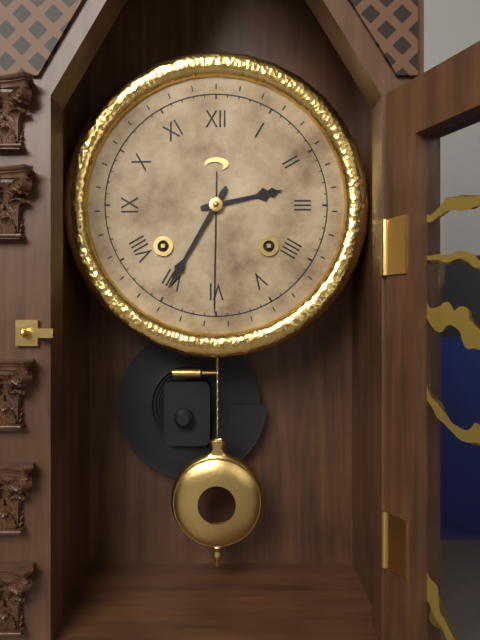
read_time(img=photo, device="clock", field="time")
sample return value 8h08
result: 2h35
